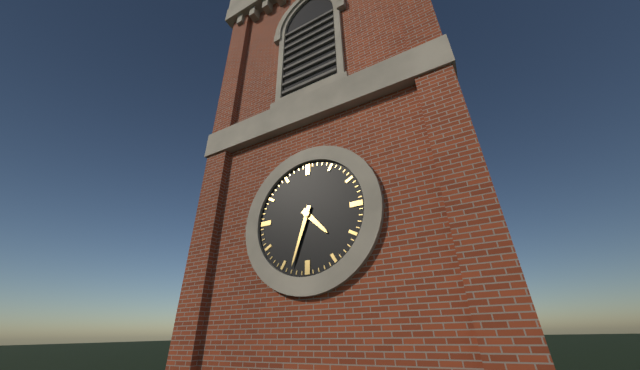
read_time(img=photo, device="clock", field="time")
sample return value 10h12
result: 4h33
